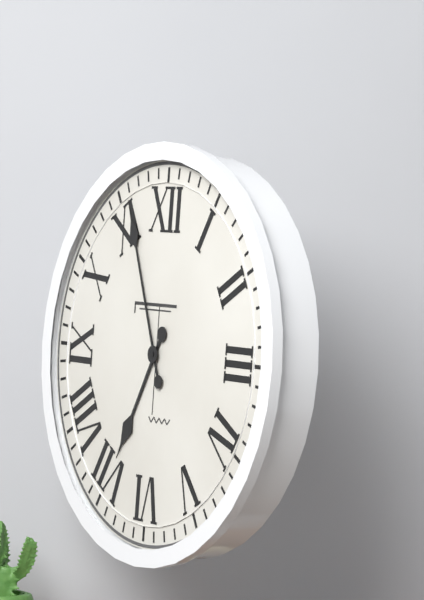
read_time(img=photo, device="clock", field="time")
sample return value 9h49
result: 6h56
